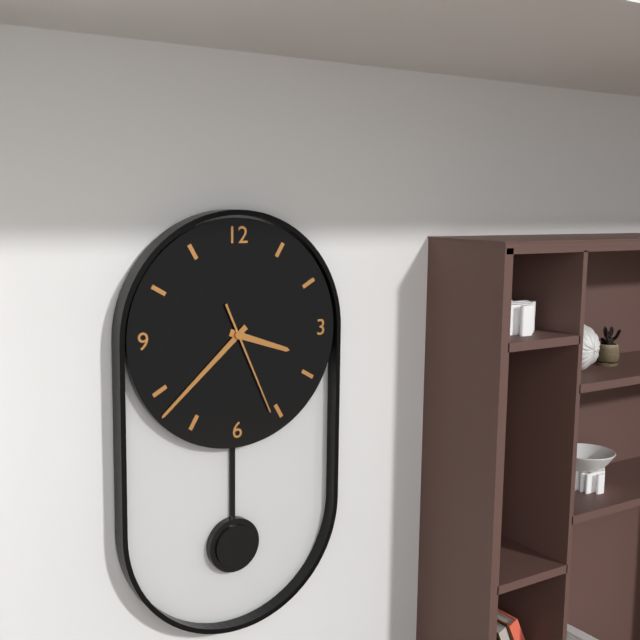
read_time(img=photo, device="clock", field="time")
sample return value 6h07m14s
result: 3h38m26s
